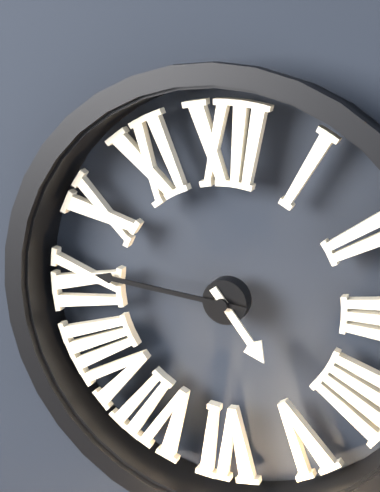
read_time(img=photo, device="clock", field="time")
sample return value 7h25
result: 4h46
